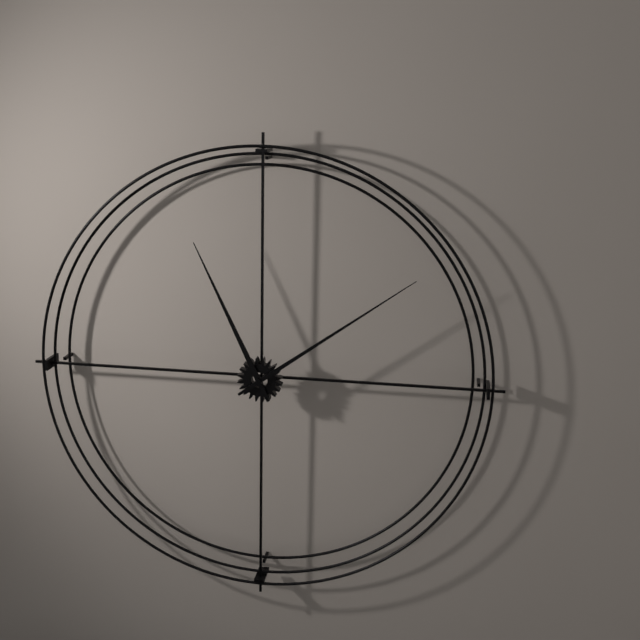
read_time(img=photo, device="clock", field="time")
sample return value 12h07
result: 11h09
